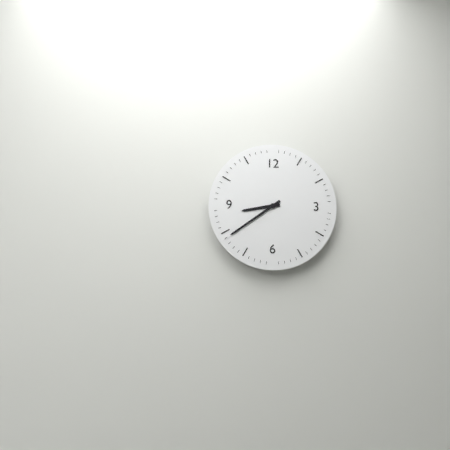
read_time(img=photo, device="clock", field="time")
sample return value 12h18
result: 8h39
